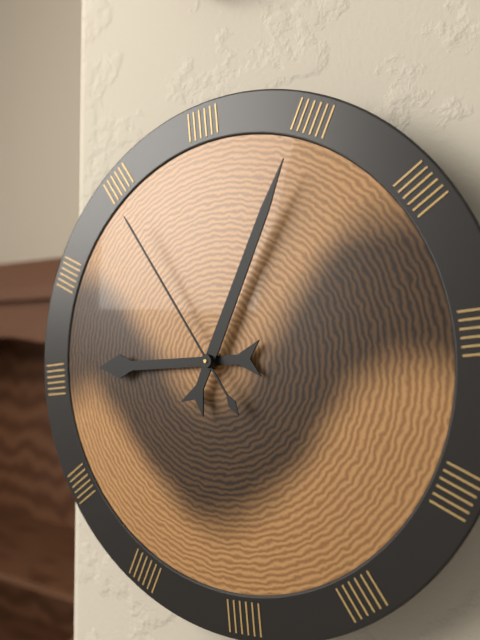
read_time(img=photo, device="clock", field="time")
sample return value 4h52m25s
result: 9h05m55s
